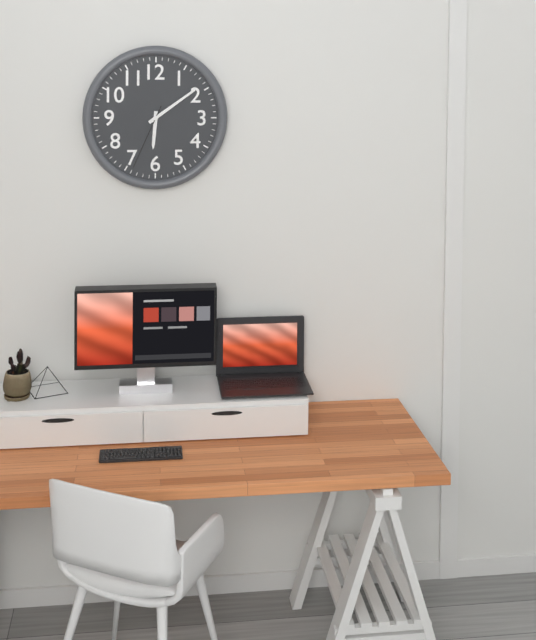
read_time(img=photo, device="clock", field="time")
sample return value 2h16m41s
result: 6h09m34s
